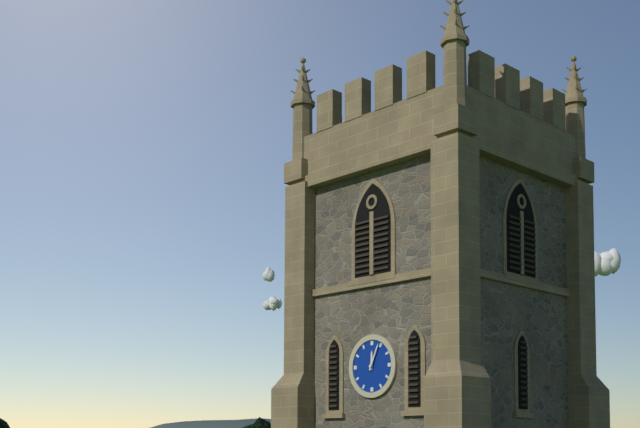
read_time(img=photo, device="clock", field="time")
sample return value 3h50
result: 12h04
